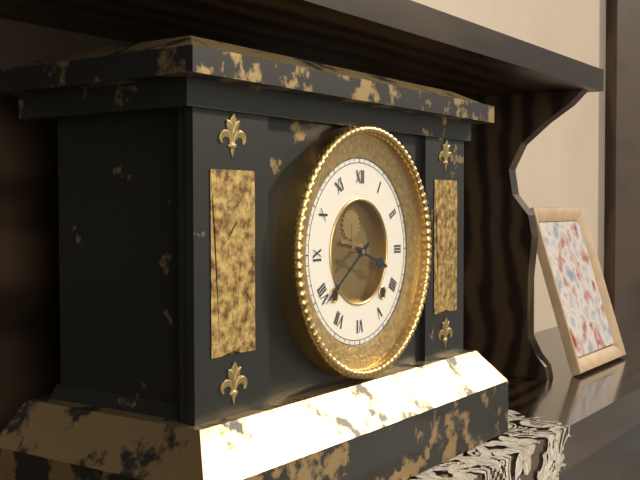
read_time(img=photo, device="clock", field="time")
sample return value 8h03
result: 3h39
